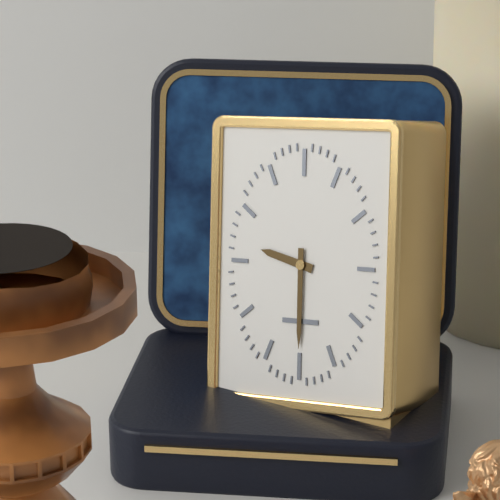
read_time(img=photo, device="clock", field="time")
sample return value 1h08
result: 9h30
